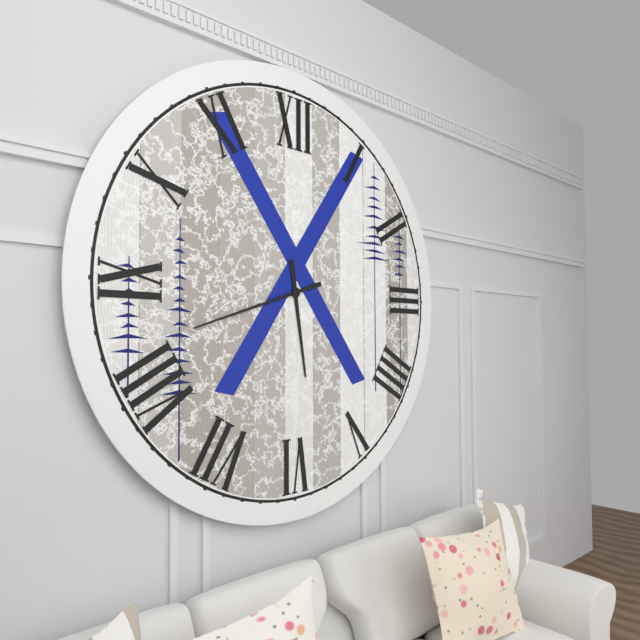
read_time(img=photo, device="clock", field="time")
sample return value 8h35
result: 5h42
